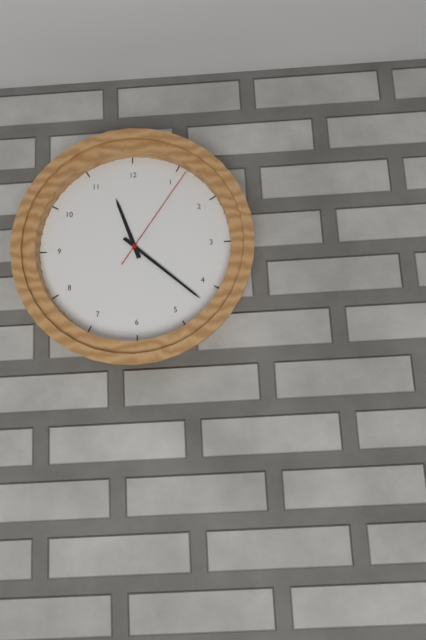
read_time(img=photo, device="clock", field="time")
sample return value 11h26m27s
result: 11h22m06s
